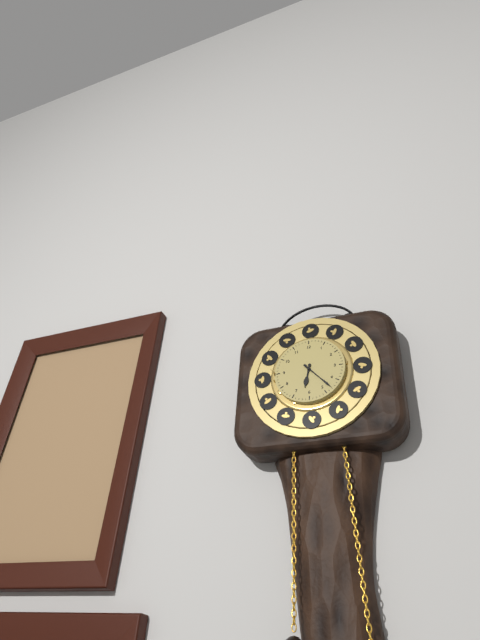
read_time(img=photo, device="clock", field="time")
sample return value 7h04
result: 6h23
